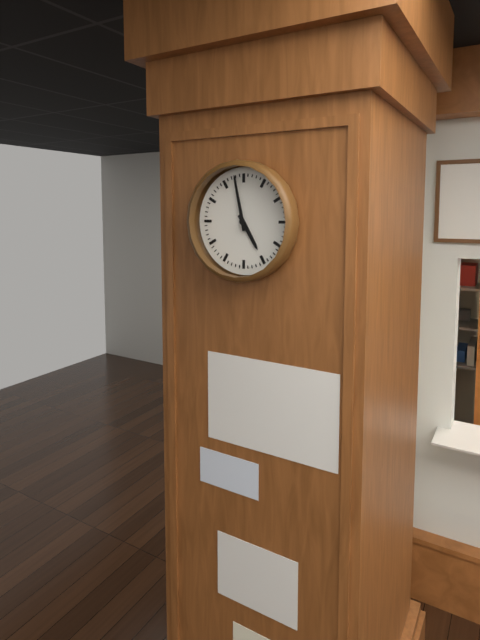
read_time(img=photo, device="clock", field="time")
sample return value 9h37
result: 4h58
